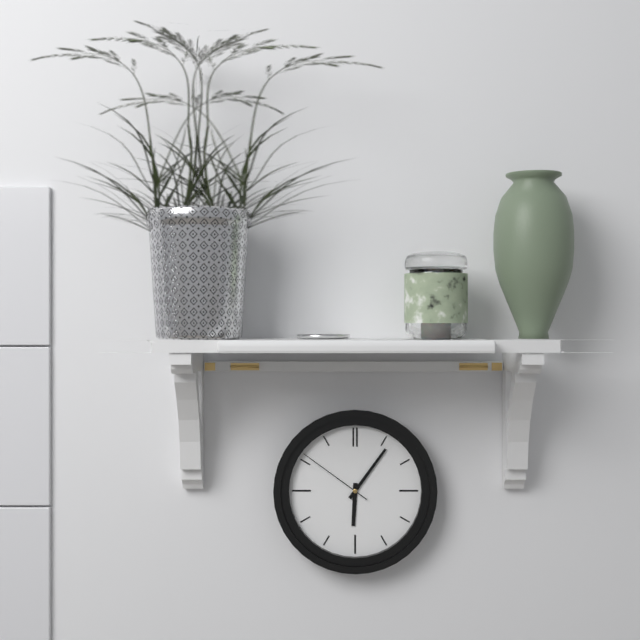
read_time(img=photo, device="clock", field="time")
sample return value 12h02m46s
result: 6h06m51s
